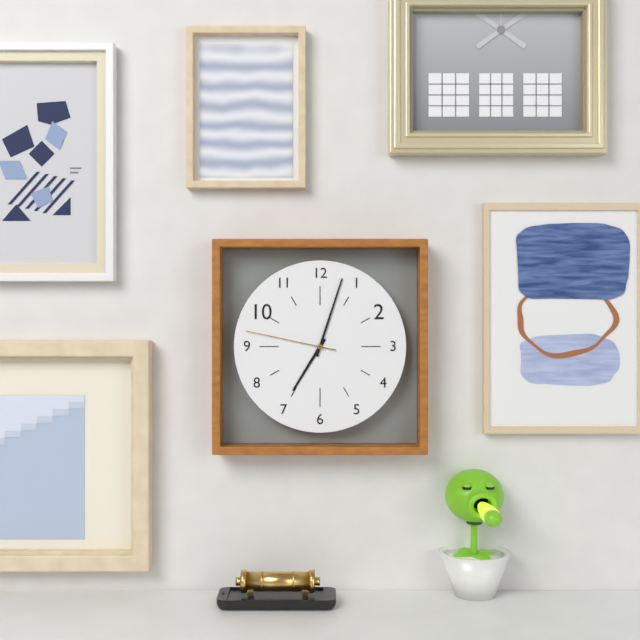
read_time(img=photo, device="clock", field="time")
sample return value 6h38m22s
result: 7h03m47s
